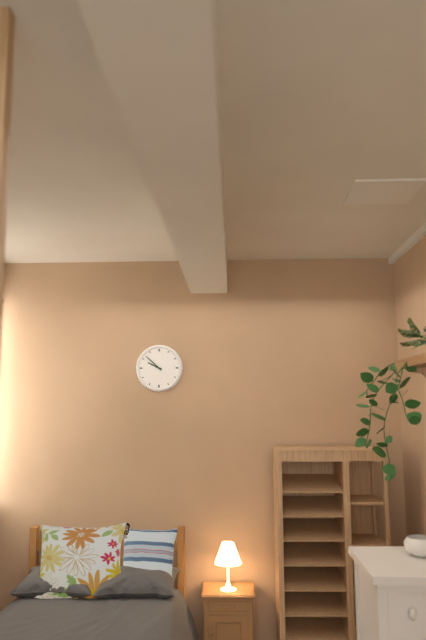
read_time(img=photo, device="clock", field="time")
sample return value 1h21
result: 9h52
